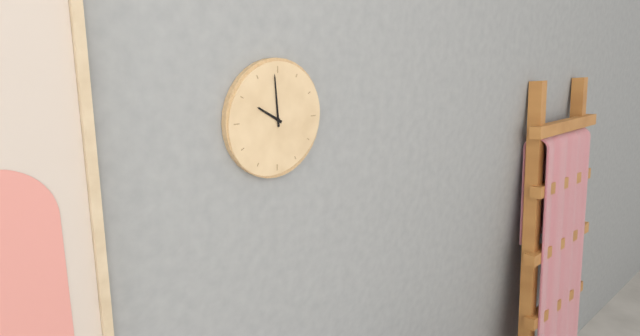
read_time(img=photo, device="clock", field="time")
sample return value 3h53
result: 9h59
